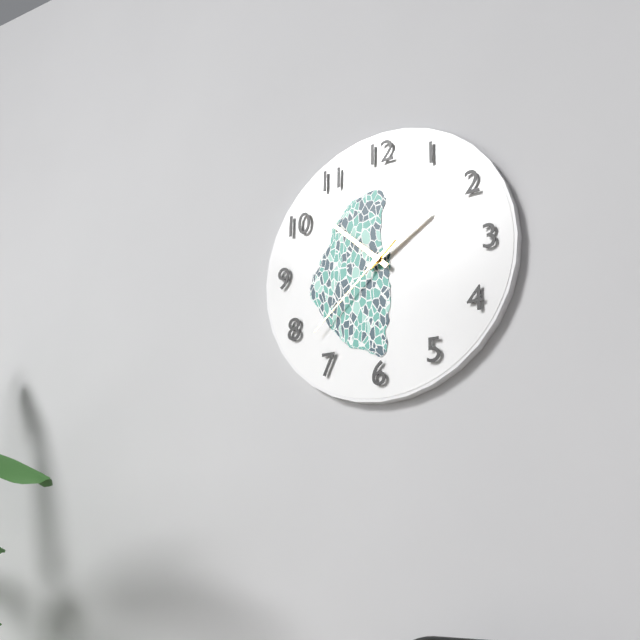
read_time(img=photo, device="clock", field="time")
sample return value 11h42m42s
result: 1h52m38s
